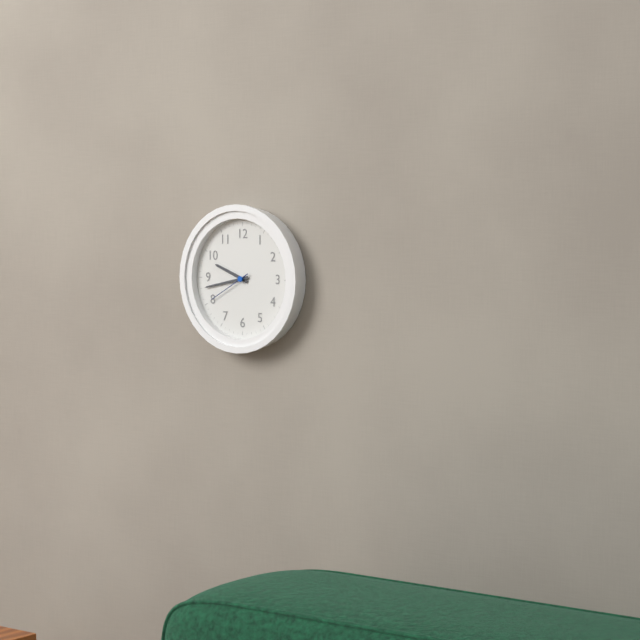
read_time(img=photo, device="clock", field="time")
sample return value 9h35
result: 9h43
